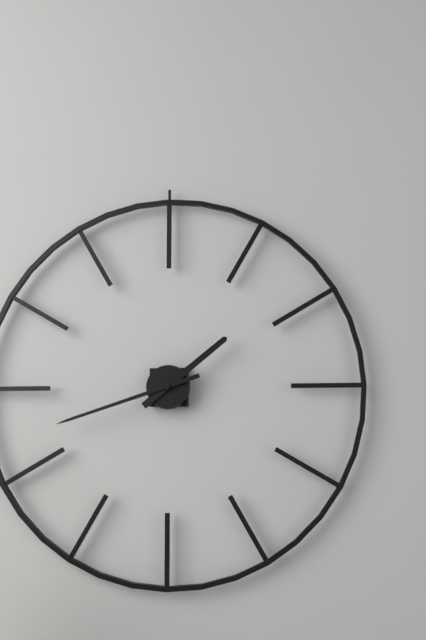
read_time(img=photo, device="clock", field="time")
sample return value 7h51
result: 1h42
